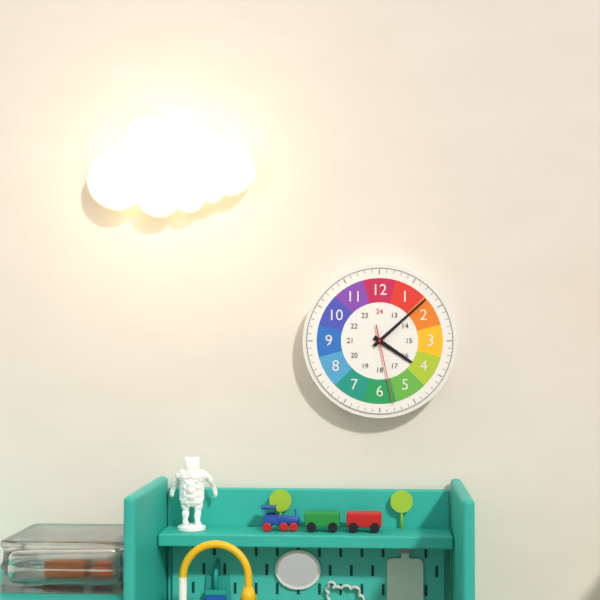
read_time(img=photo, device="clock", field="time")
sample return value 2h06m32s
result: 4h08m28s
